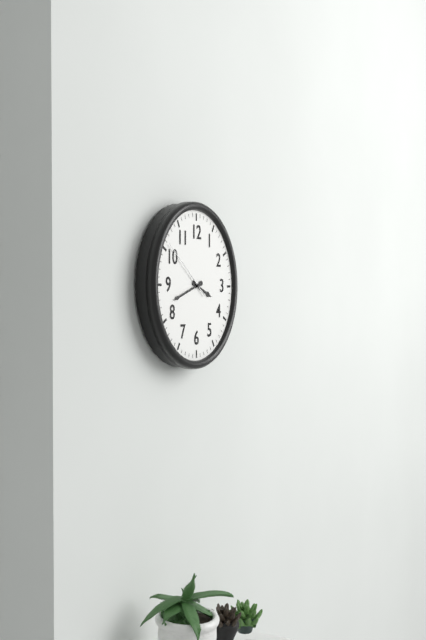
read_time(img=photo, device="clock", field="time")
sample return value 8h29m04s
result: 3h42m51s
